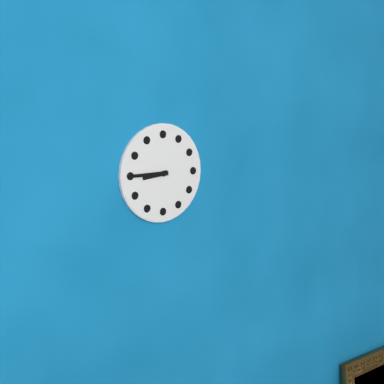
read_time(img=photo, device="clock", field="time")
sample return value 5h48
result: 8h45
